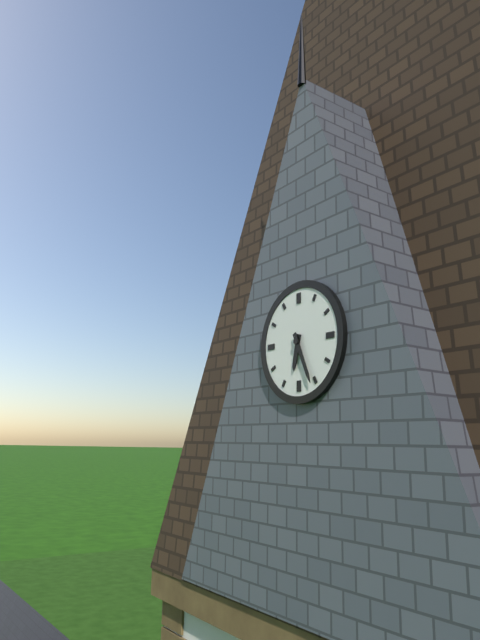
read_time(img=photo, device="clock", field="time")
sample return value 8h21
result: 6h26
